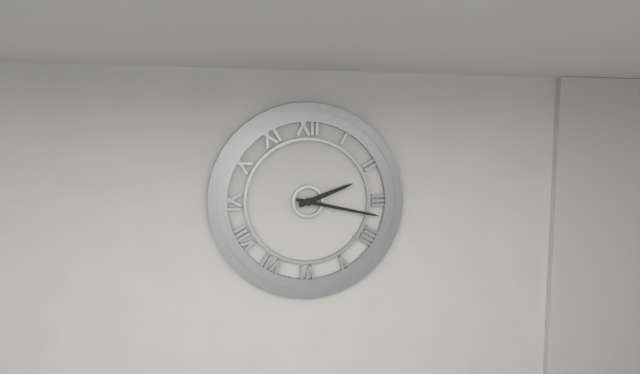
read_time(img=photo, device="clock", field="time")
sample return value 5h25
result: 2h17
